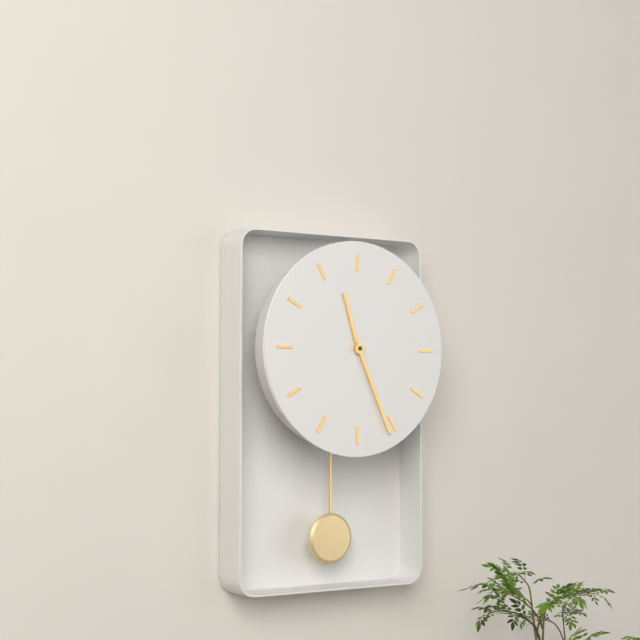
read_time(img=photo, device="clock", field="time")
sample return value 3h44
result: 11h26
